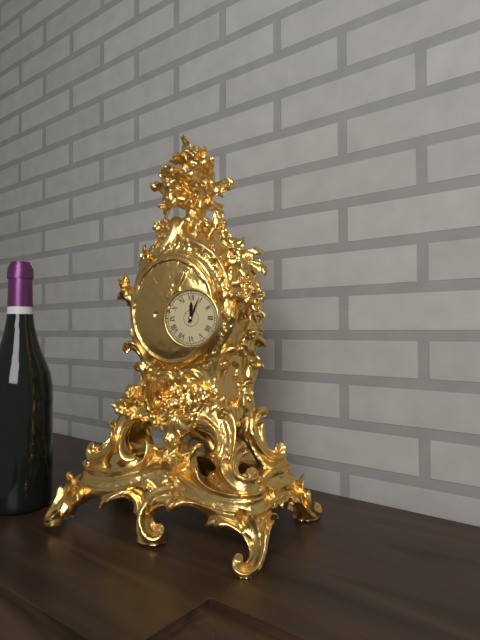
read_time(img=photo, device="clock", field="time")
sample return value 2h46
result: 12h04
